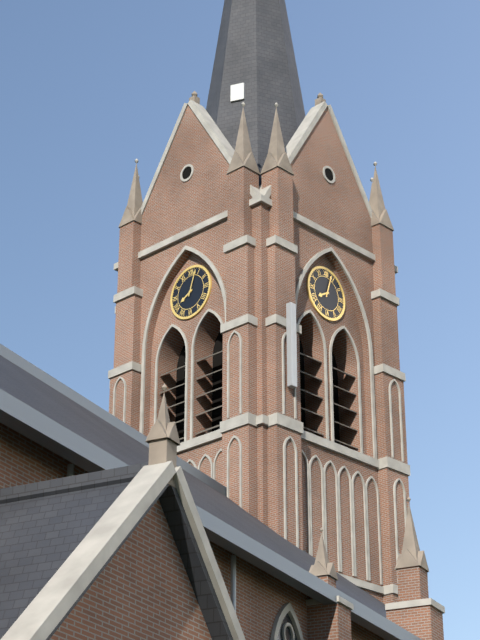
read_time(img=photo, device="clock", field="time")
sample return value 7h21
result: 8h03
